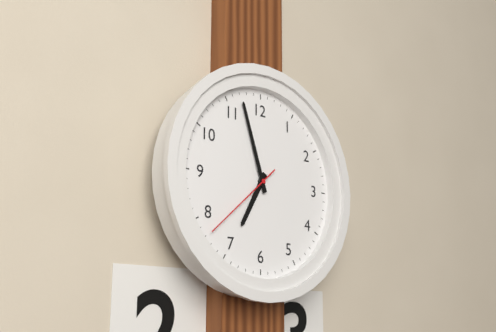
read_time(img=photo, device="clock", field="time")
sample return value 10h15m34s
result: 6h57m38s
